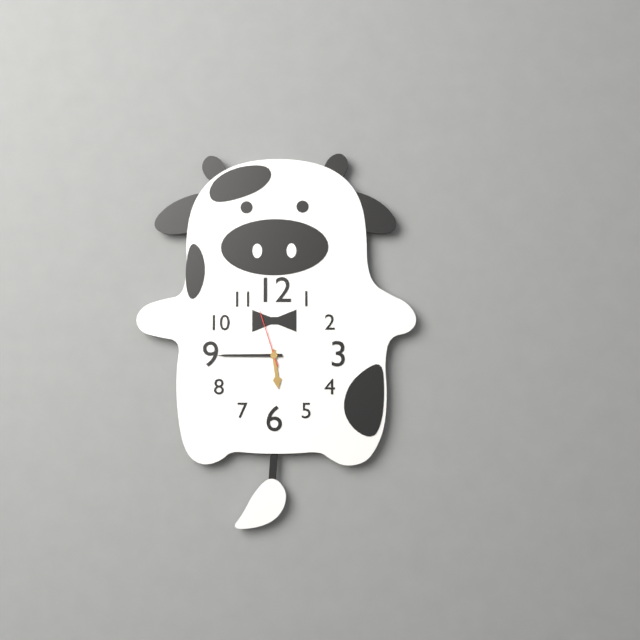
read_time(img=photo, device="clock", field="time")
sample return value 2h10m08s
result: 5h45m57s
